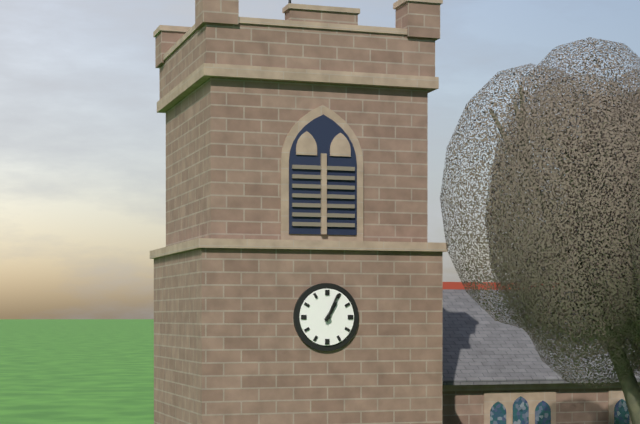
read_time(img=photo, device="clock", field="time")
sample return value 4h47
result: 1h04
